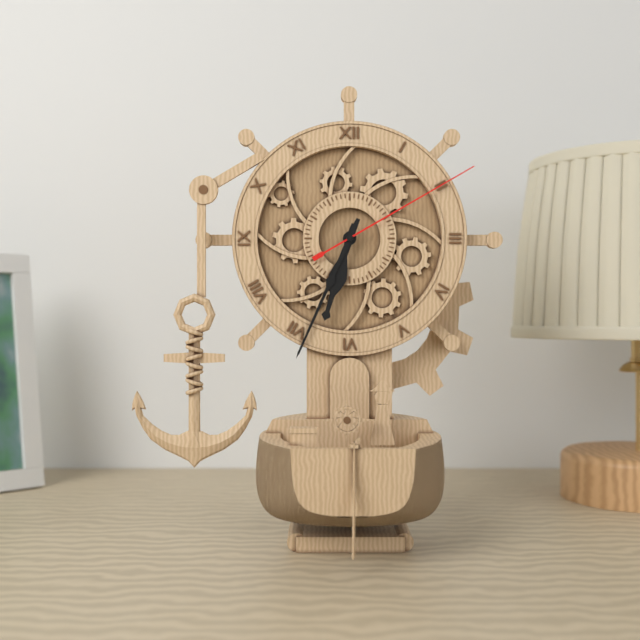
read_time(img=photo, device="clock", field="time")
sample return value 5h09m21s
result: 6h34m10s
